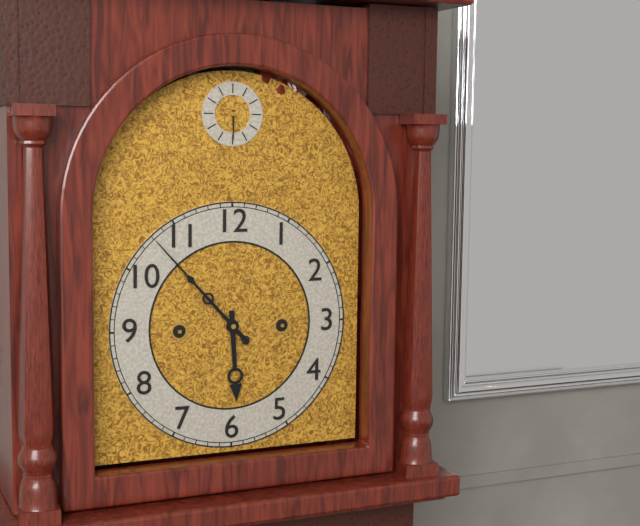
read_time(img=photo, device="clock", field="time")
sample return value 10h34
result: 5h53
